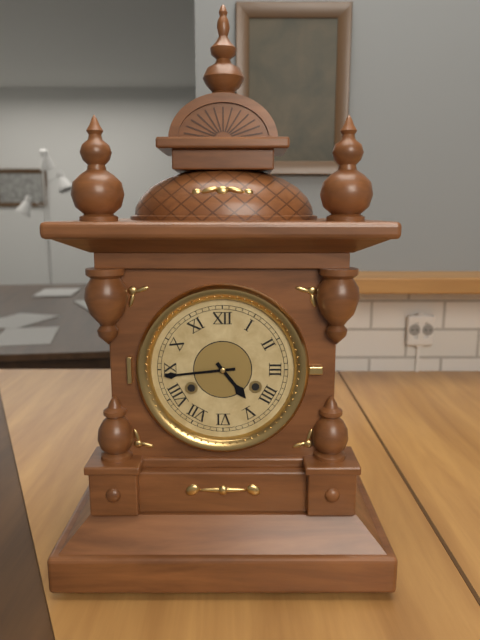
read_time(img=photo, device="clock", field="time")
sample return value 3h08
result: 4h44
